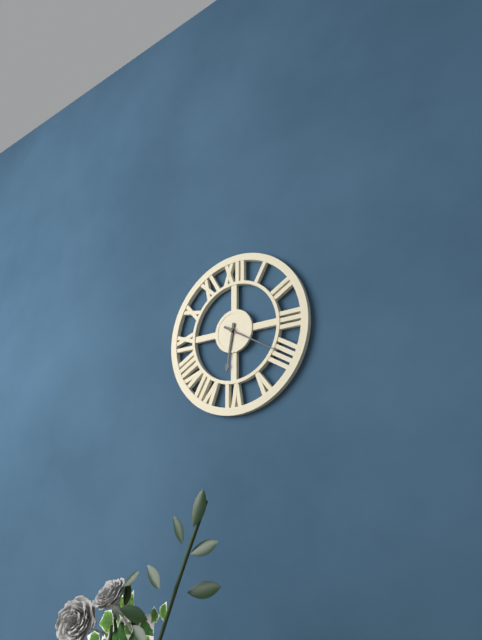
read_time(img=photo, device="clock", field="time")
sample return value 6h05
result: 6h20
